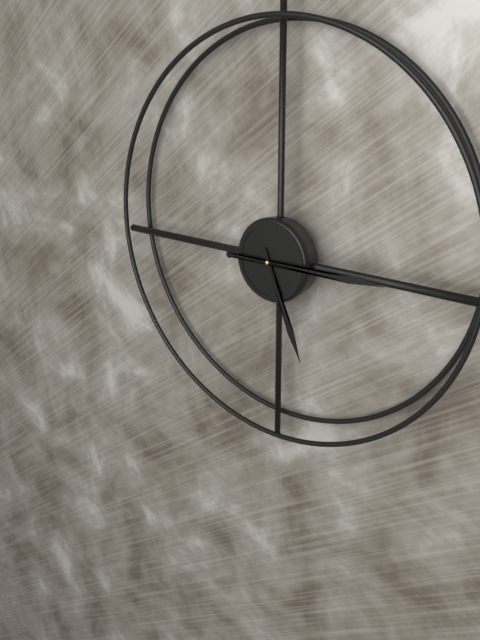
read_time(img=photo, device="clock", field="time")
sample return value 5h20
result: 5h15
